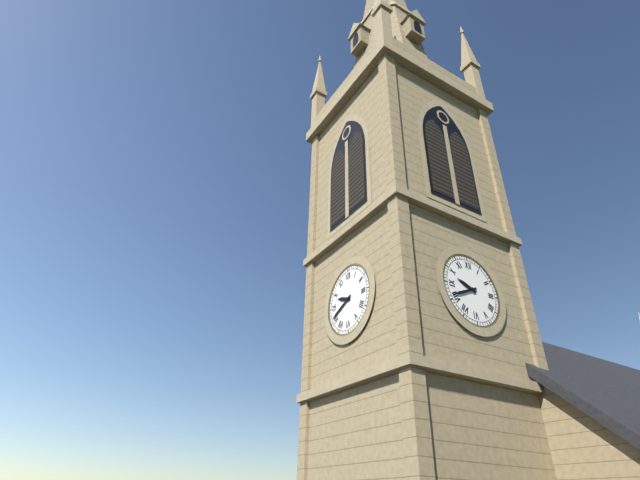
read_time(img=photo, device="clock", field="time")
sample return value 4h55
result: 9h41
